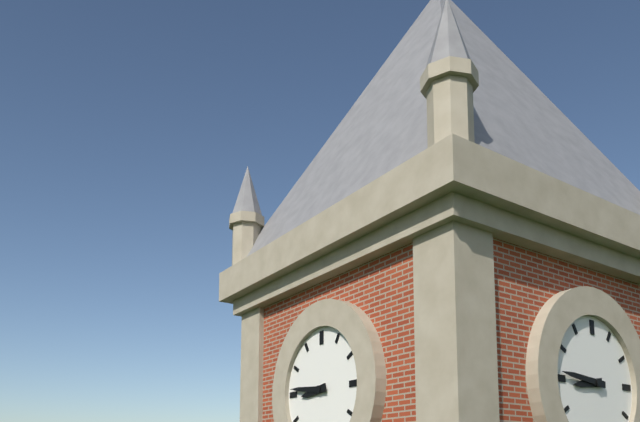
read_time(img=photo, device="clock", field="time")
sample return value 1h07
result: 8h46
